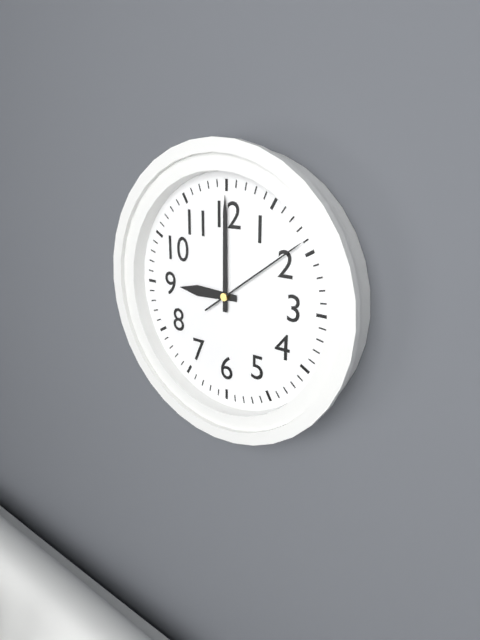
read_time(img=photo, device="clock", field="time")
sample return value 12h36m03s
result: 9h00m09s
